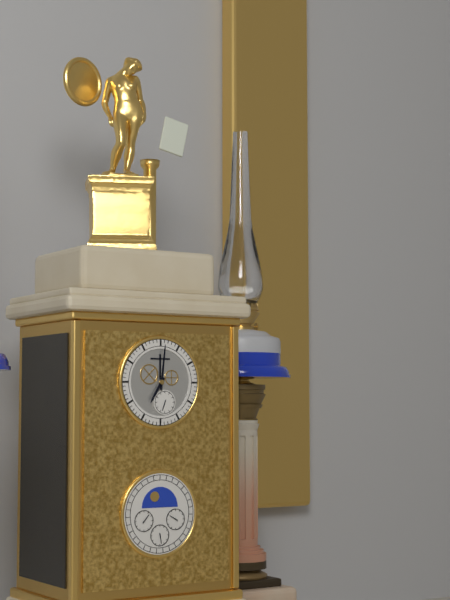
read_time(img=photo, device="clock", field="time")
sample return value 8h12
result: 7h01
